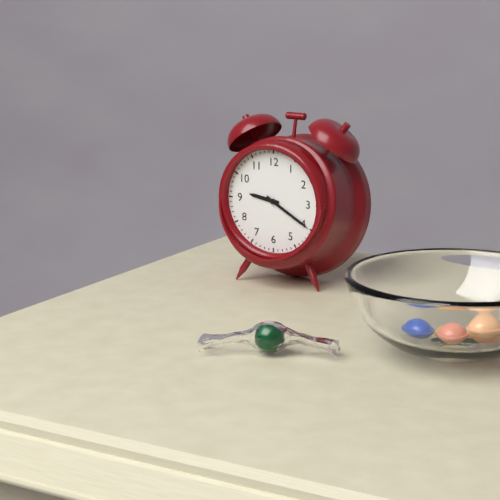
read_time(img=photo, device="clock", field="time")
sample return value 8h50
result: 9h20
